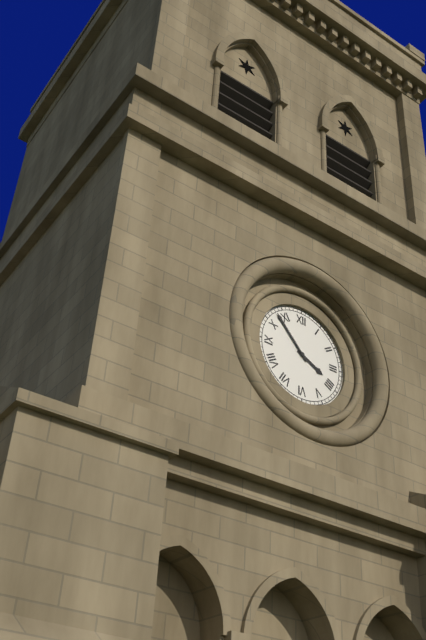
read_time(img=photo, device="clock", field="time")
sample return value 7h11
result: 3h53
